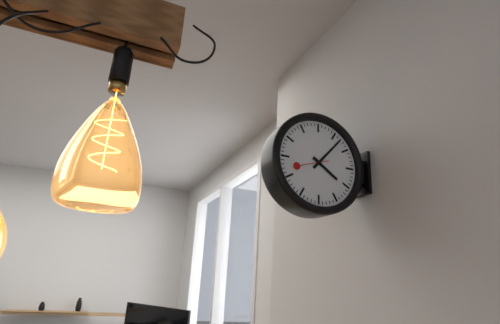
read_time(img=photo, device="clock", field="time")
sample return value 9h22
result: 4h07
